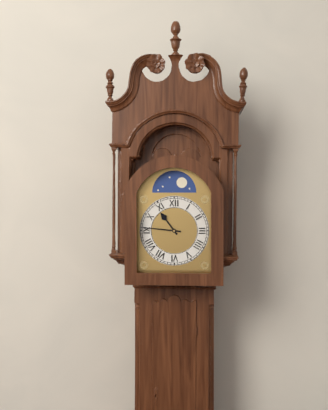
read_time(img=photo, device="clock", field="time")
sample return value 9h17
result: 10h46
